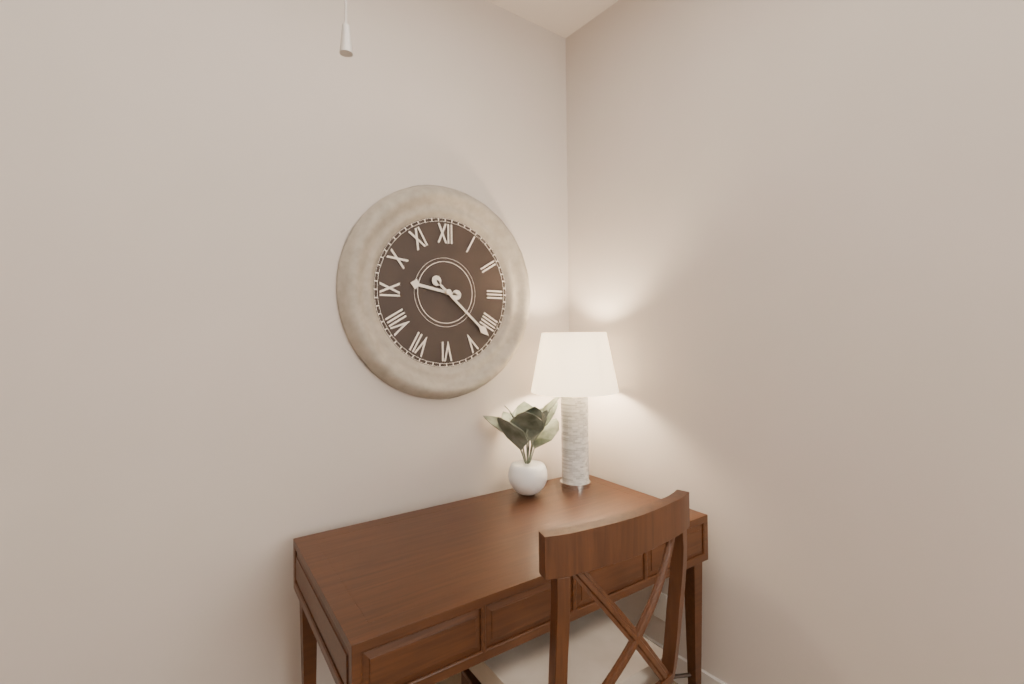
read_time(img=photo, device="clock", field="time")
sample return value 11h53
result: 9h22
